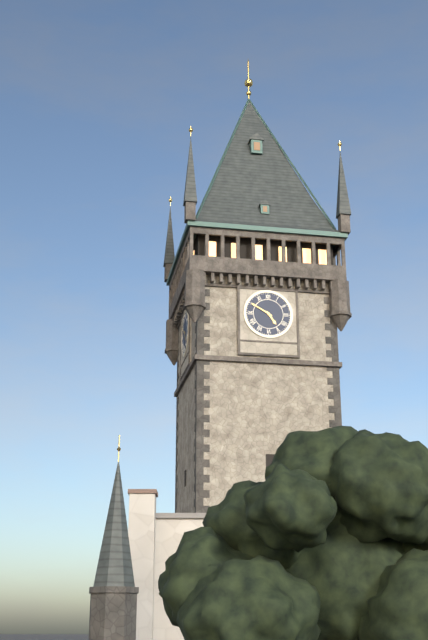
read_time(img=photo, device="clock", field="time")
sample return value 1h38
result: 4h50
